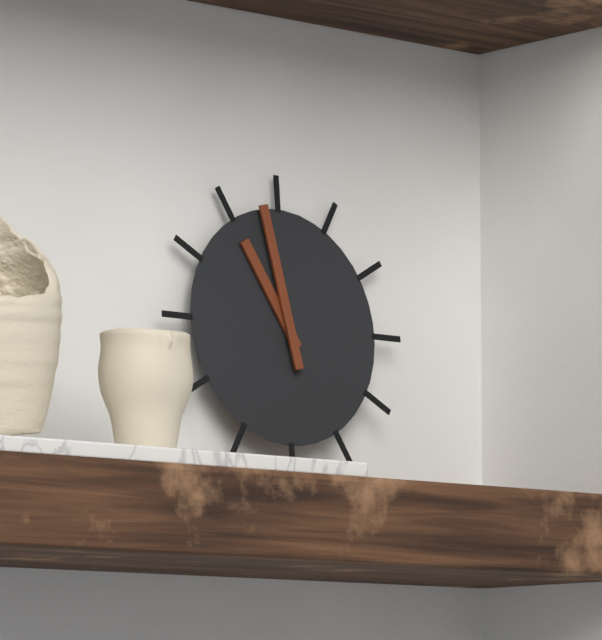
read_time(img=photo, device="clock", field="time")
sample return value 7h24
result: 10h58
